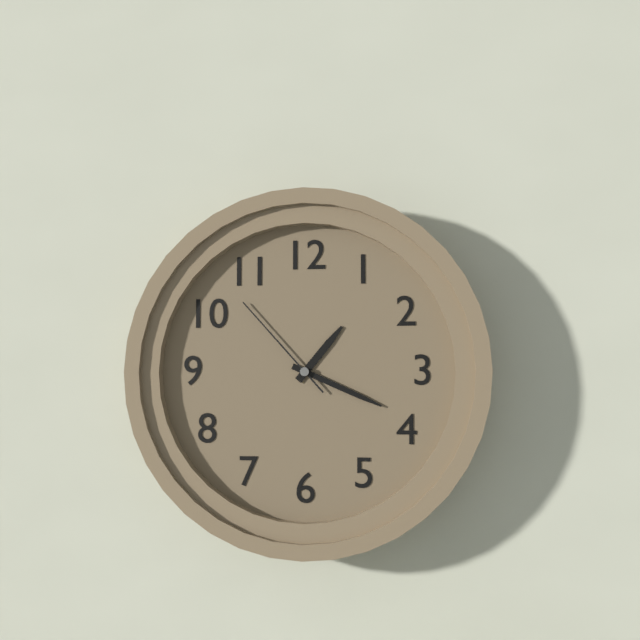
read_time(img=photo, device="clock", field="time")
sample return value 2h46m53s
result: 1h19m53s
